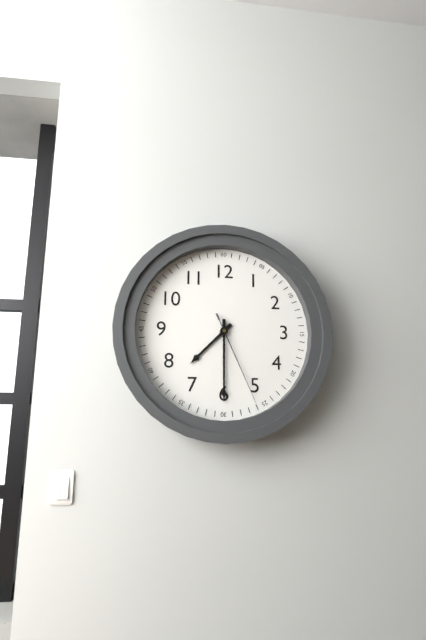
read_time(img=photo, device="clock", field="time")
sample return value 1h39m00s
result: 7h30m26s
